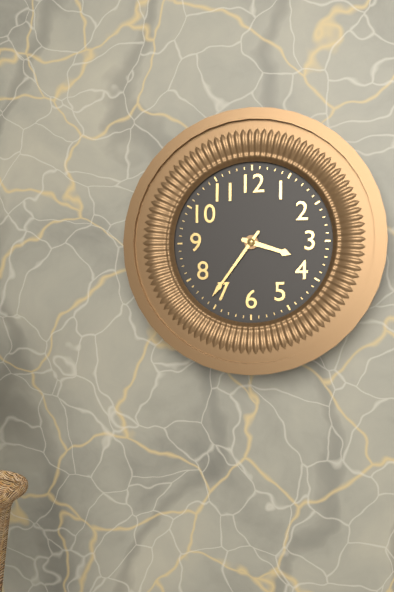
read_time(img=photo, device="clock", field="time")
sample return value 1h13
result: 3h36
